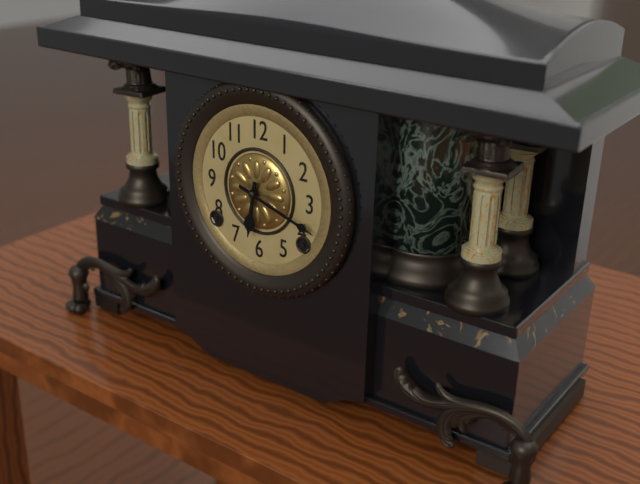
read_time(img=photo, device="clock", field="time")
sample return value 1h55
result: 6h18
